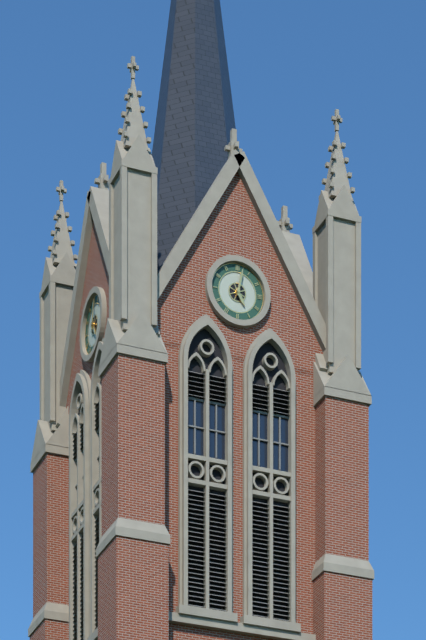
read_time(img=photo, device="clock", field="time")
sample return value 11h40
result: 5h02
